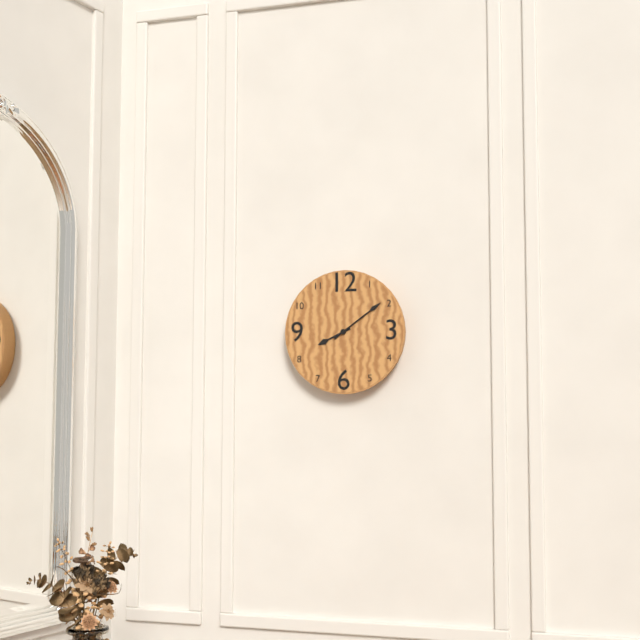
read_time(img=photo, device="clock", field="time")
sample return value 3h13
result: 8h09
